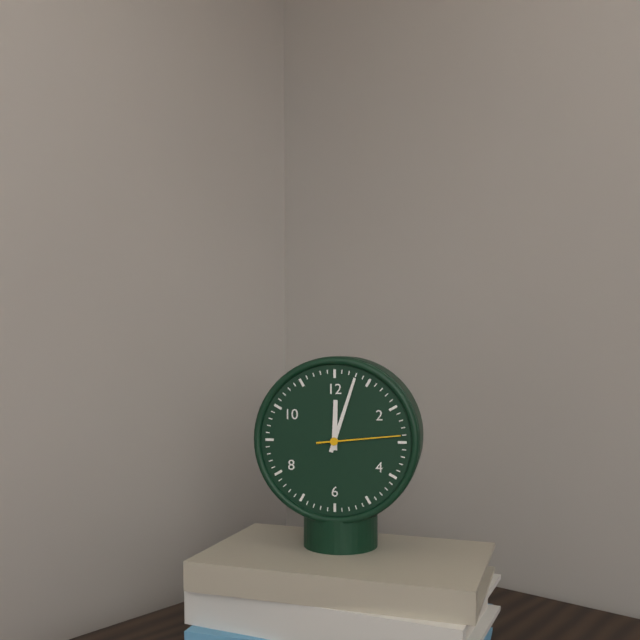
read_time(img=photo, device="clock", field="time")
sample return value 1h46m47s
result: 12h03m14s
